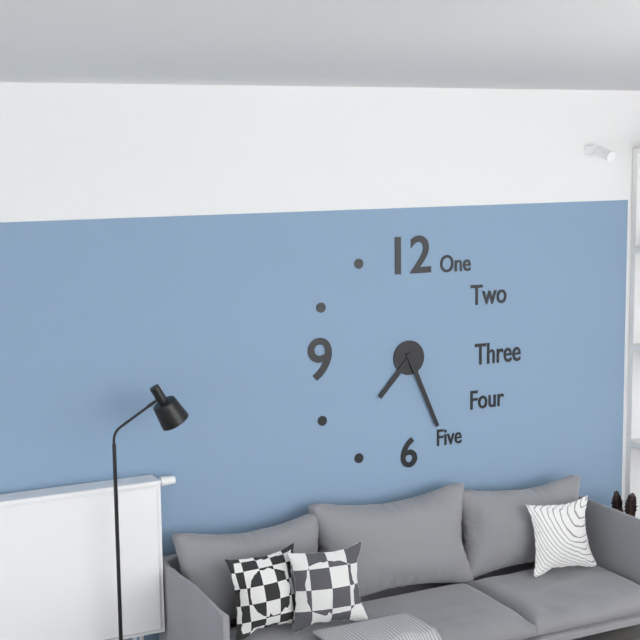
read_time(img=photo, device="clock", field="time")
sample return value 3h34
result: 7h26
